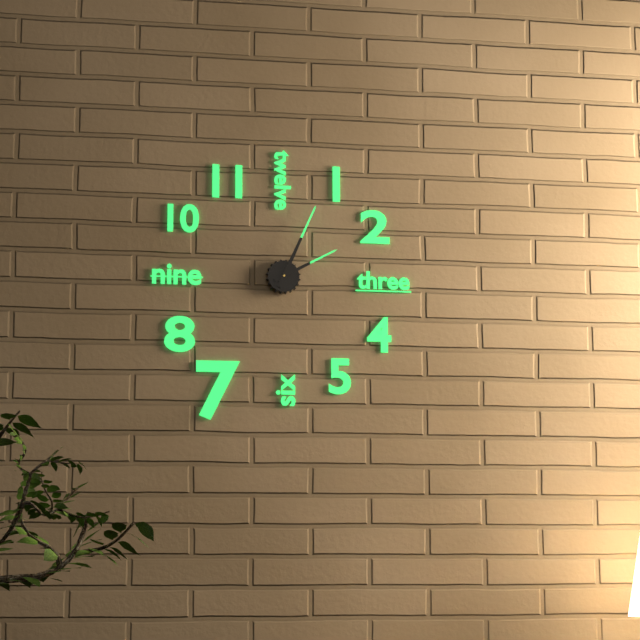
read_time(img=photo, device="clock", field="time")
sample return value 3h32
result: 2h04
